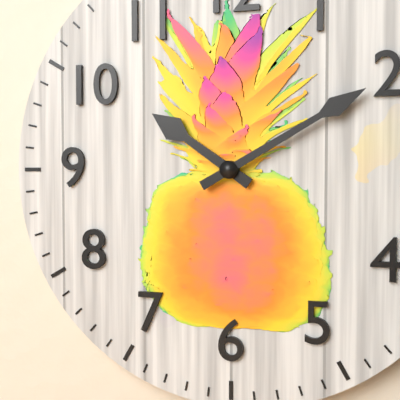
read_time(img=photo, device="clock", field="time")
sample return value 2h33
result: 10h10
